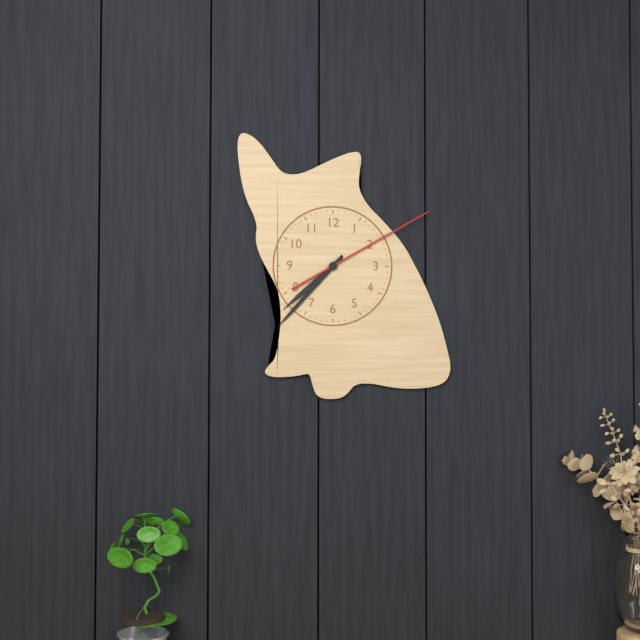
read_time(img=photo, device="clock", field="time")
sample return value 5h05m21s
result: 7h37m10s
